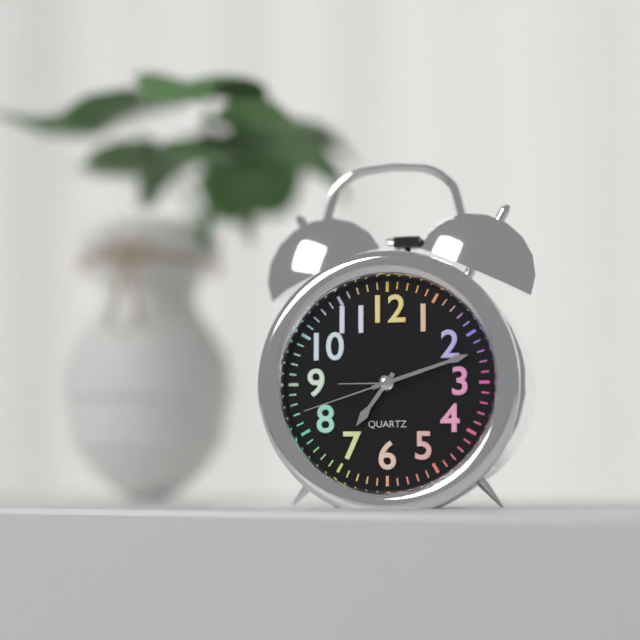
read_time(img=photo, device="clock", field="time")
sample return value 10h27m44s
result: 7h12m42s
